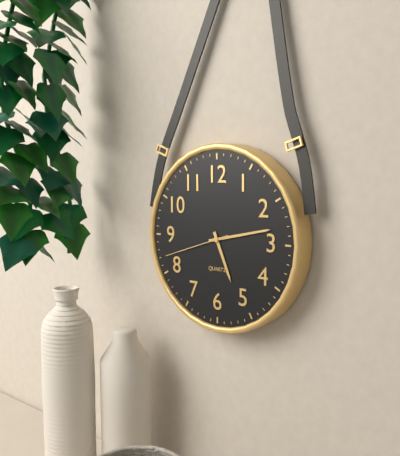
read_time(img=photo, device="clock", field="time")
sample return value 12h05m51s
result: 5h13m42s
